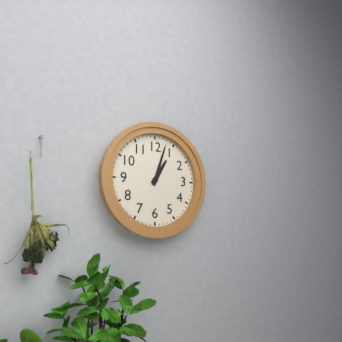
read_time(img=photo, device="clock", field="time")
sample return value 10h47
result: 1h03
